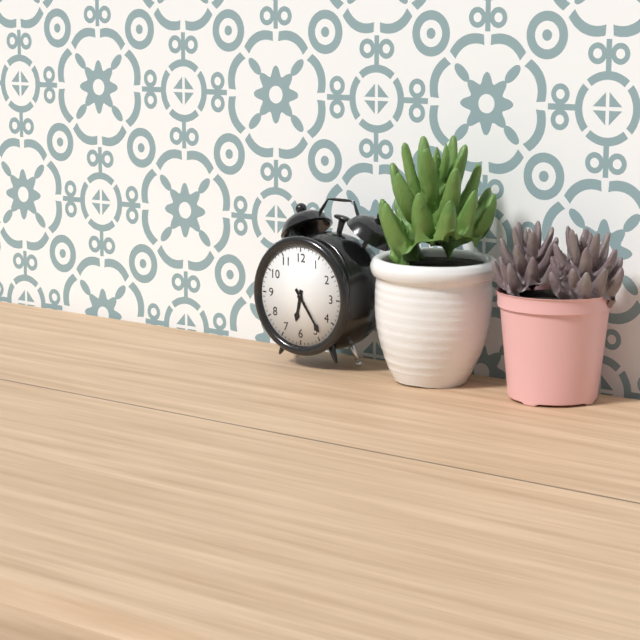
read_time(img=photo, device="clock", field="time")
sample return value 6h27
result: 6h24
